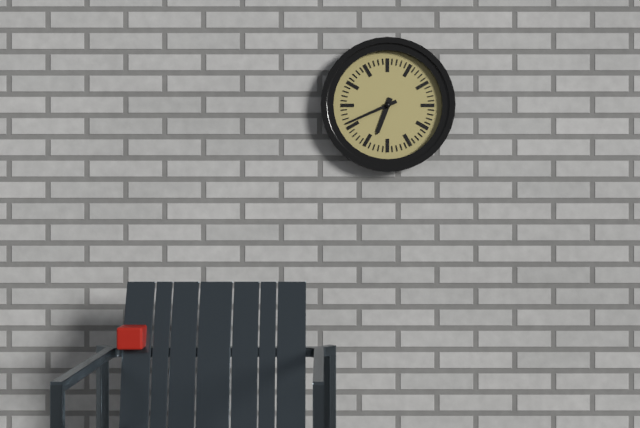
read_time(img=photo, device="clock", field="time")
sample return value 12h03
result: 6h41
